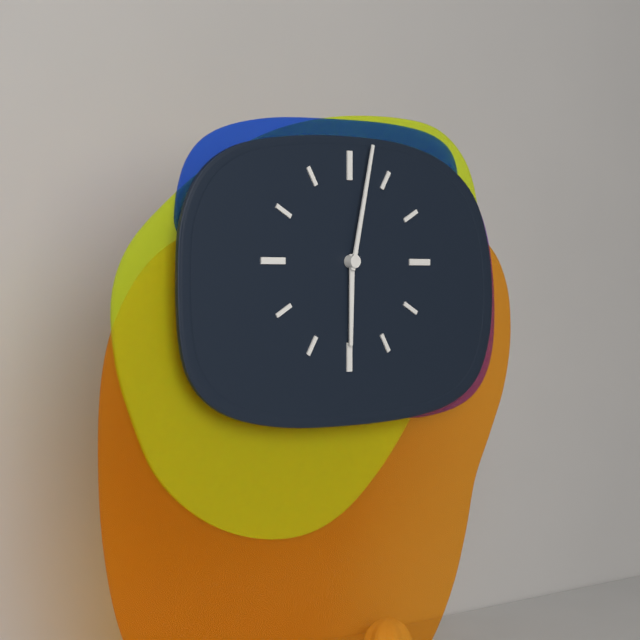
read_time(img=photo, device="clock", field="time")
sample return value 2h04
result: 6h02
